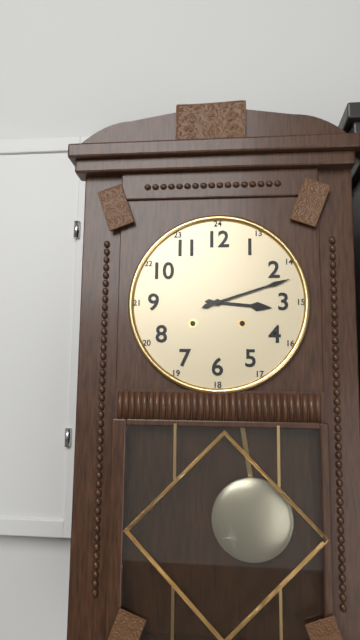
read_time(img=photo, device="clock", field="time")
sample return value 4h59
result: 3h12
